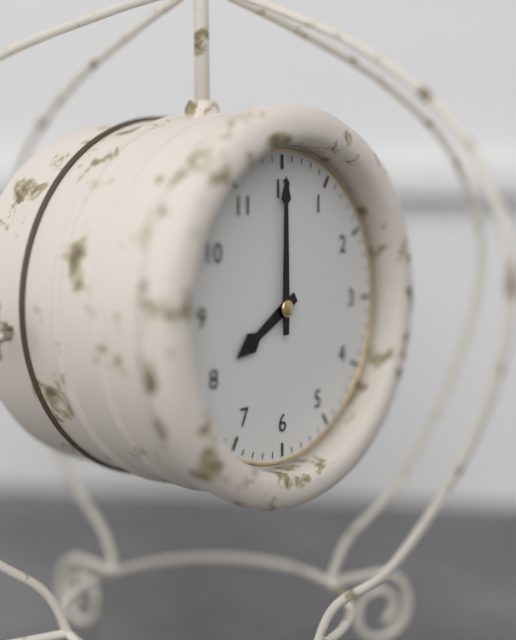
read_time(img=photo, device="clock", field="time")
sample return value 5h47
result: 8h00
